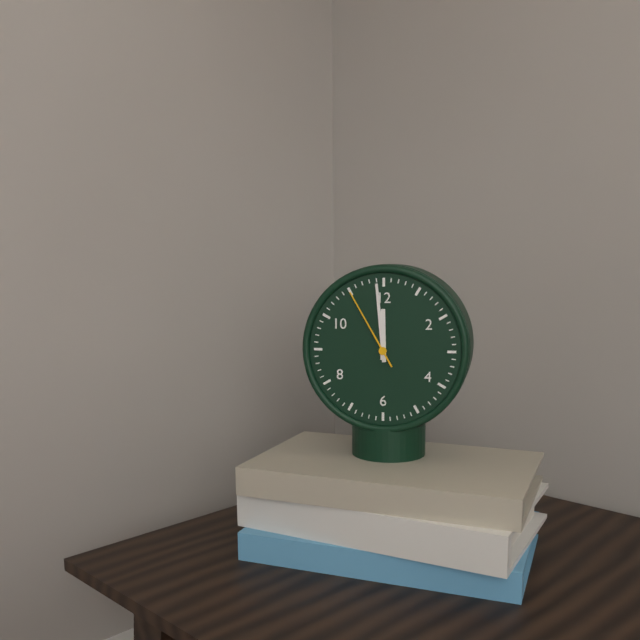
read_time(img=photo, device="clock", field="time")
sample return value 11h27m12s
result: 11h59m55s
